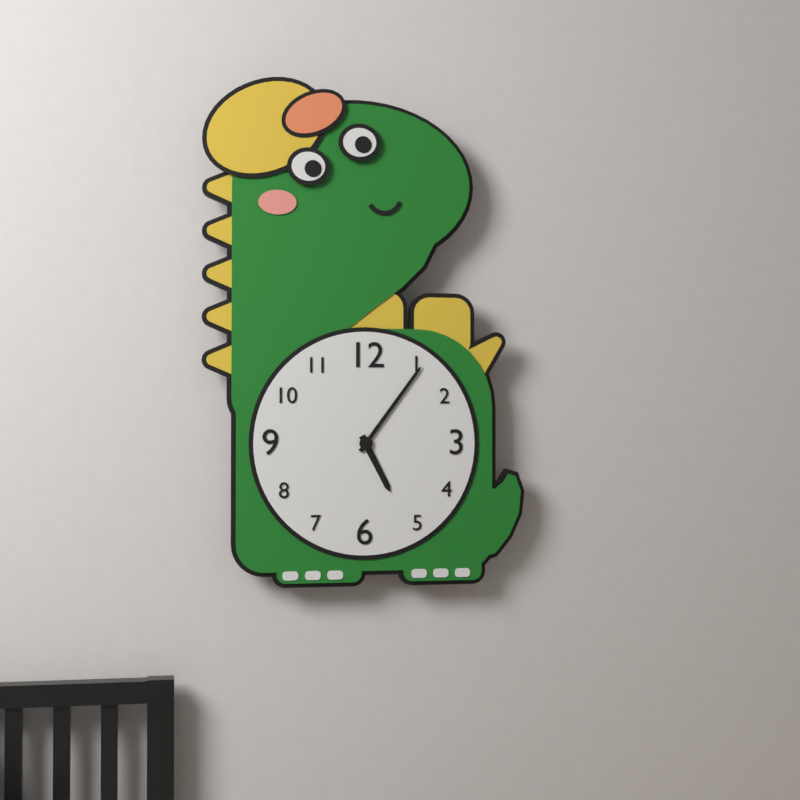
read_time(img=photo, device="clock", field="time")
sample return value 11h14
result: 5h06
